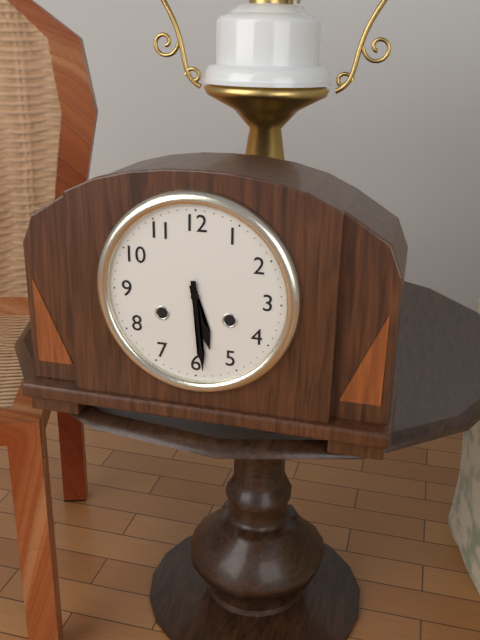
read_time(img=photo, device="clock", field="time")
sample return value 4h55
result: 5h29
